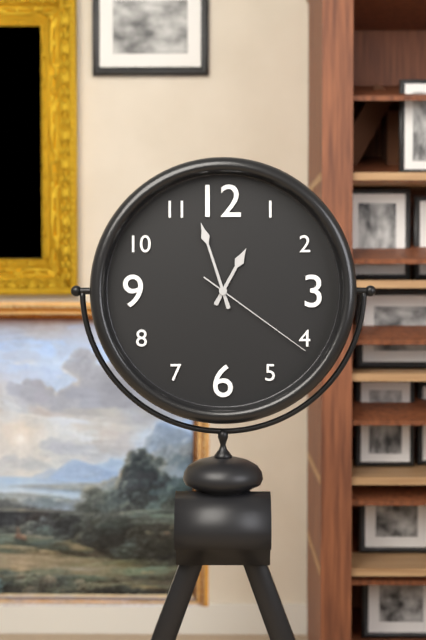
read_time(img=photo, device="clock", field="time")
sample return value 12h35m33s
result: 12h57m21s
